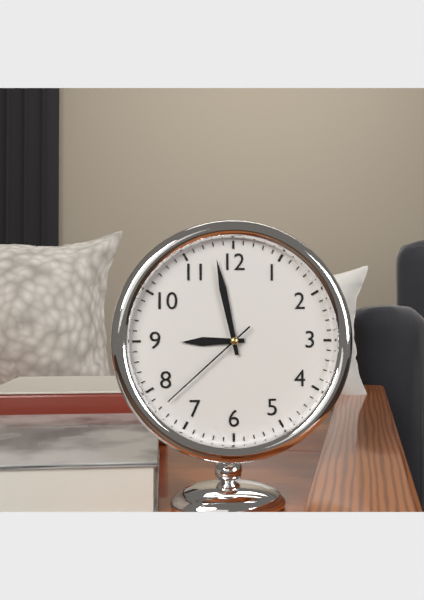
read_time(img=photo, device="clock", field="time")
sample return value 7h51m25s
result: 8h58m38s
